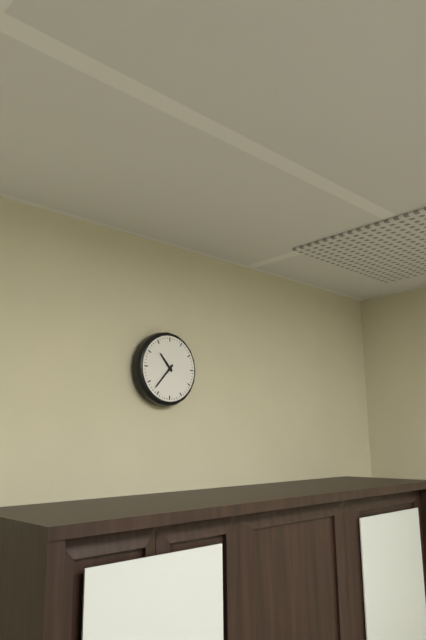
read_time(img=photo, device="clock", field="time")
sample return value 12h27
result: 10h37
